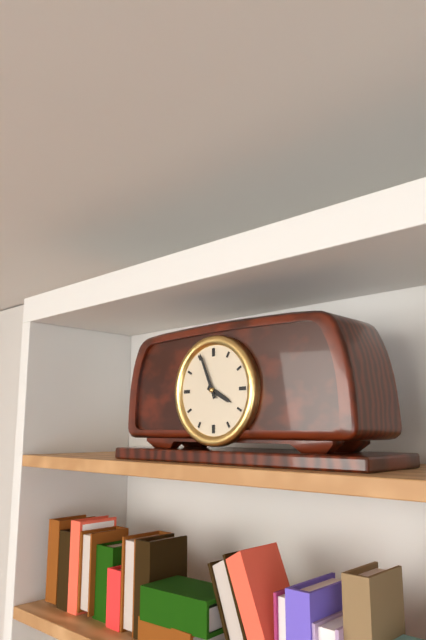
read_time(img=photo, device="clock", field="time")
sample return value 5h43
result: 3h56
